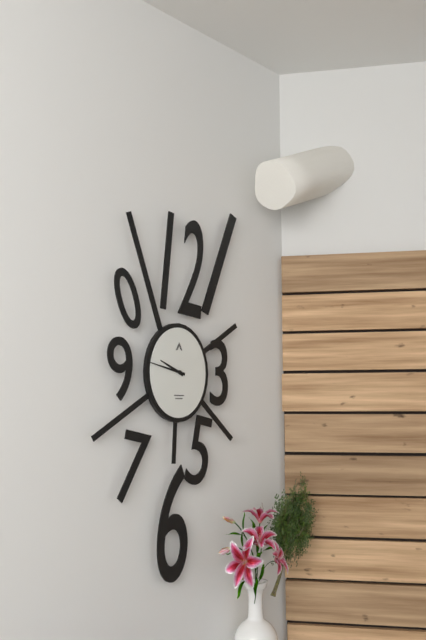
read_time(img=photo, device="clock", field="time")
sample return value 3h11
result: 9h47
